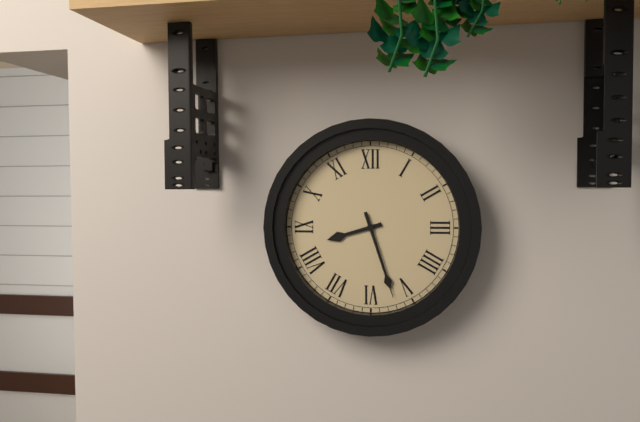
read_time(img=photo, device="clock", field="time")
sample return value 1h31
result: 8h27
